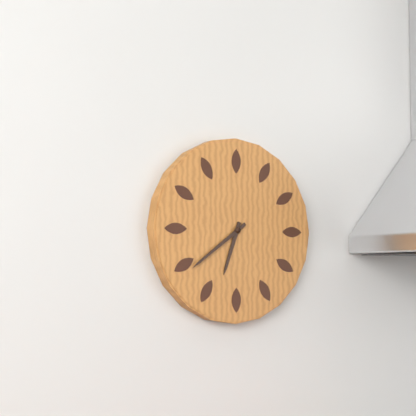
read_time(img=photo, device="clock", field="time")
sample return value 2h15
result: 6h39
